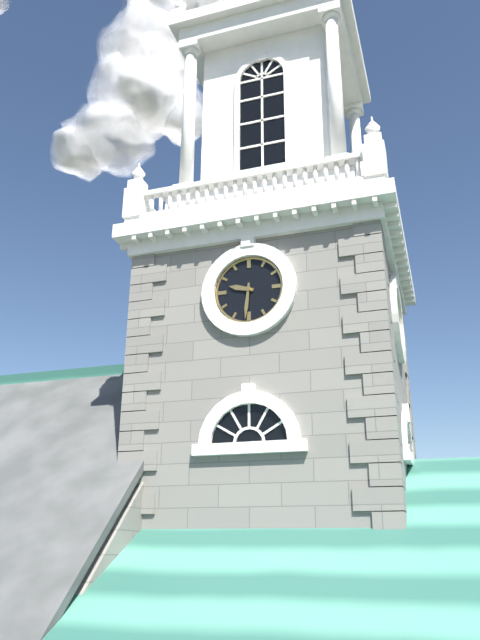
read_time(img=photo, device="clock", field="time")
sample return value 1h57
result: 9h31
